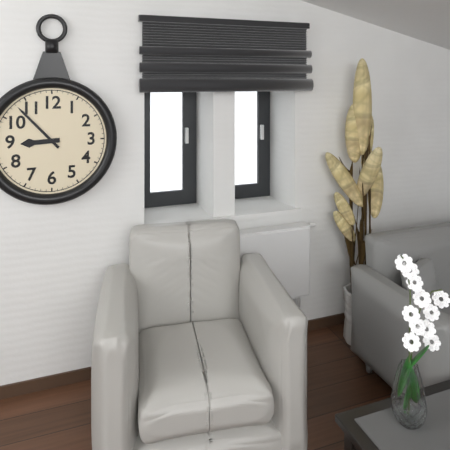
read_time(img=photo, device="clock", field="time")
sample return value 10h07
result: 8h53
